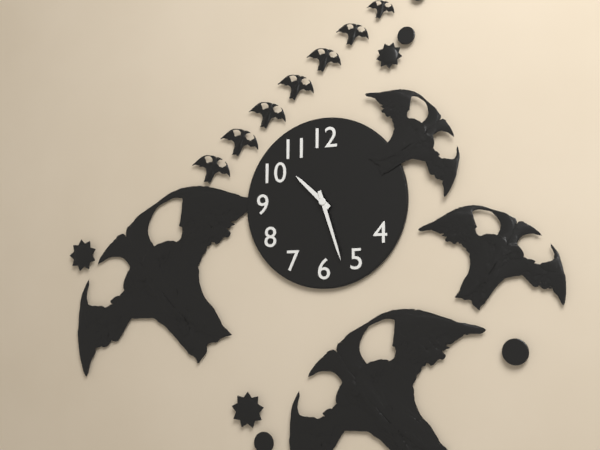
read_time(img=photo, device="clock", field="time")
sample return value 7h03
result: 10h27
